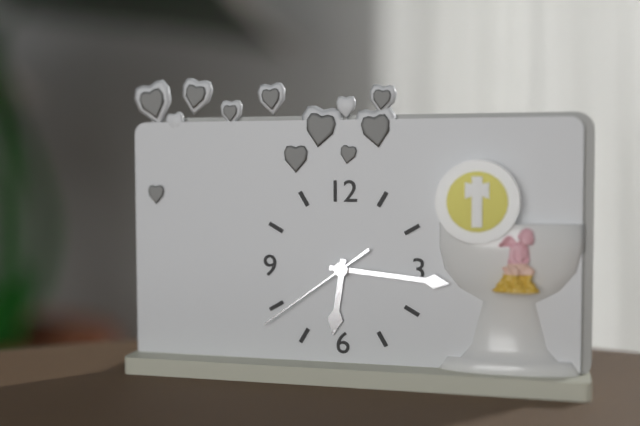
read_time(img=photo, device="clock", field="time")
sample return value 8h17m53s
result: 6h16m39s
